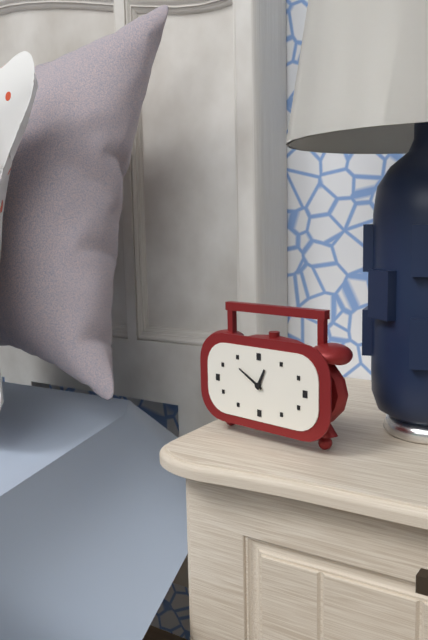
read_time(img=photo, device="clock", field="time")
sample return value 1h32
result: 12h50
